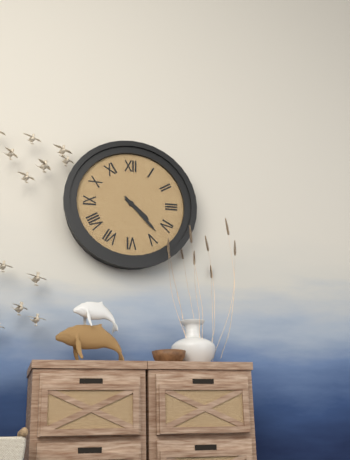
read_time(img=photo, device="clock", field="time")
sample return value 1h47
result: 4h23
